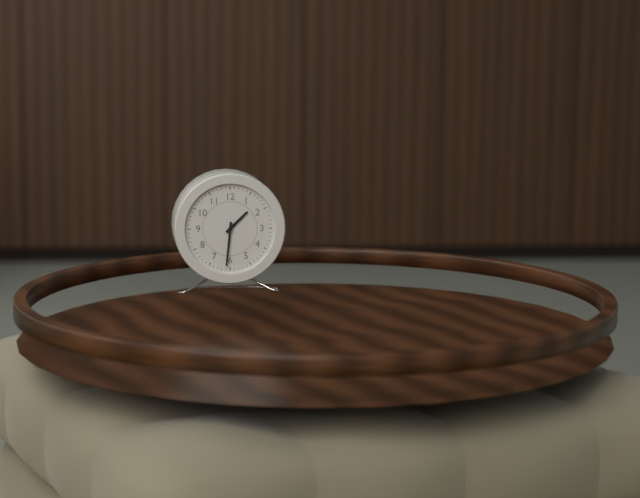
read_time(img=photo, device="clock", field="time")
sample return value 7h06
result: 1h31
